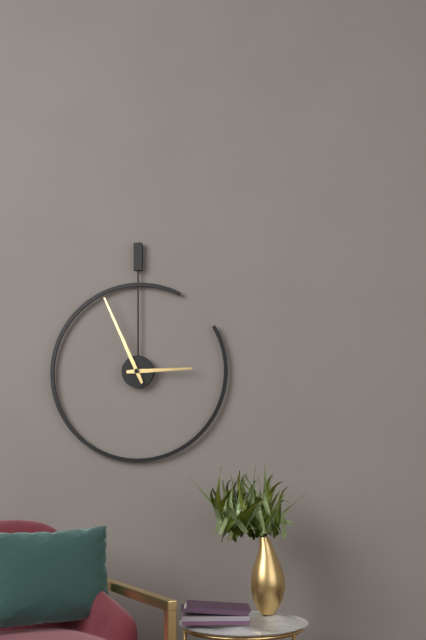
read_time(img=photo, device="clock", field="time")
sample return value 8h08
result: 2h56
